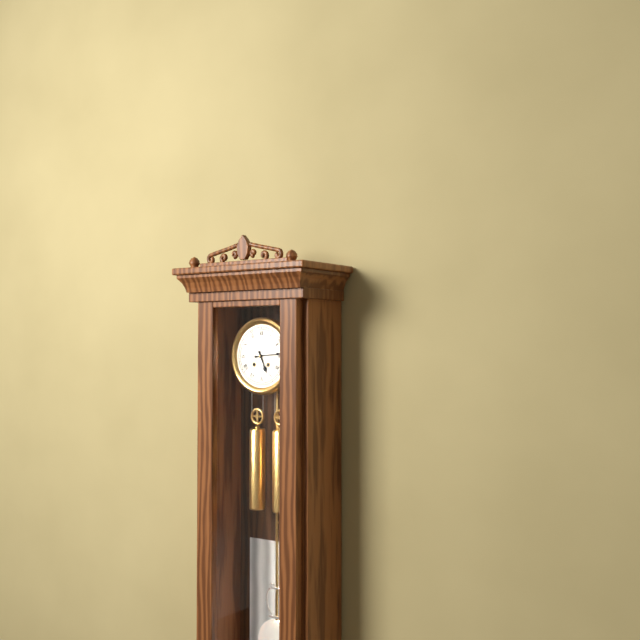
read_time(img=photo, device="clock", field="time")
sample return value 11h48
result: 5h14
